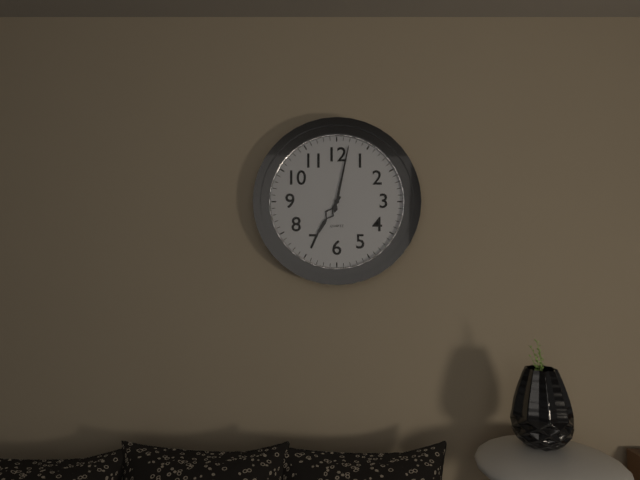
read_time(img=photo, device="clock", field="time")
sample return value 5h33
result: 7h02
